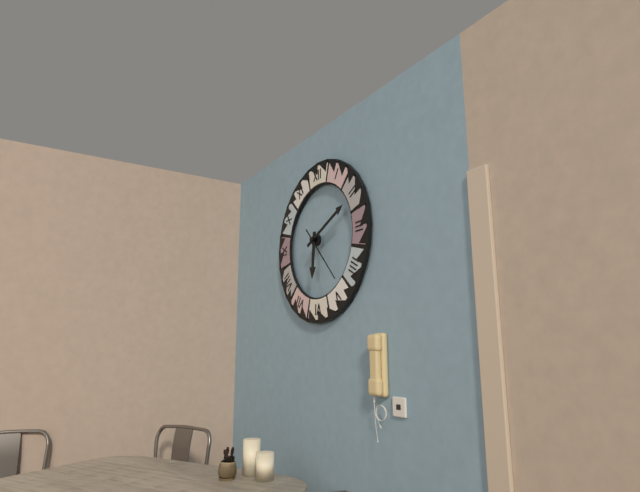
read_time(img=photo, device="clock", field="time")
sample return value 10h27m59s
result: 6h11m23s
